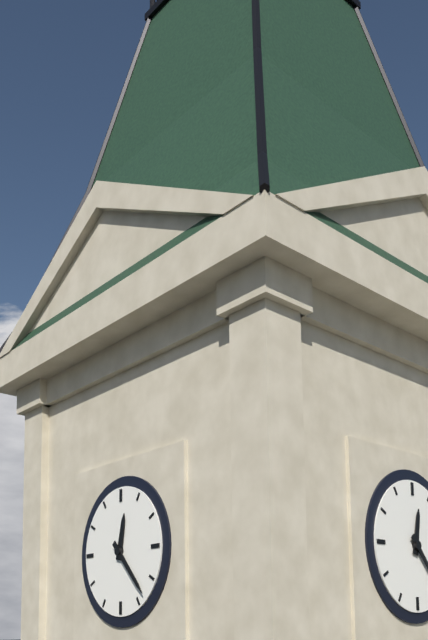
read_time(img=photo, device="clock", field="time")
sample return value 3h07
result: 12h23
